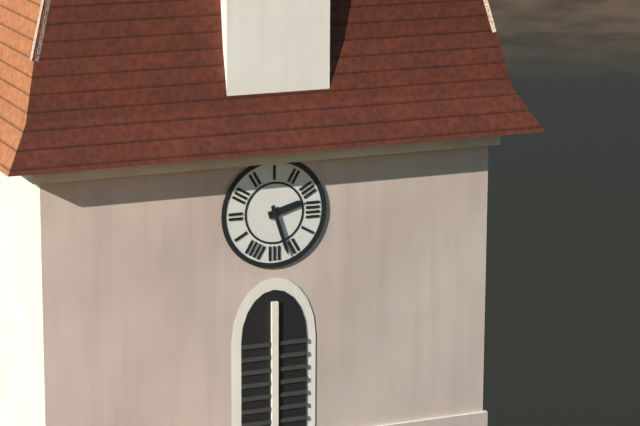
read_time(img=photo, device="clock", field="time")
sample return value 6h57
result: 2h27
